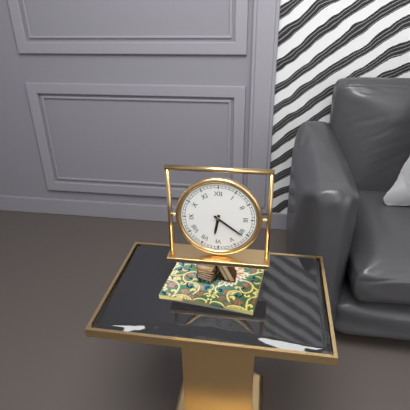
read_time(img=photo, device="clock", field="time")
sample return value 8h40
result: 6h21
